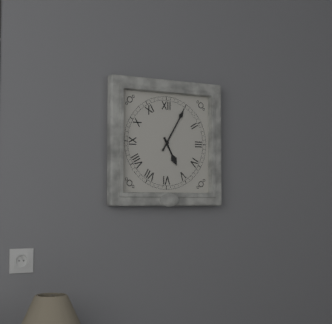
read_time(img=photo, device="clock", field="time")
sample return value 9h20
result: 5h05
